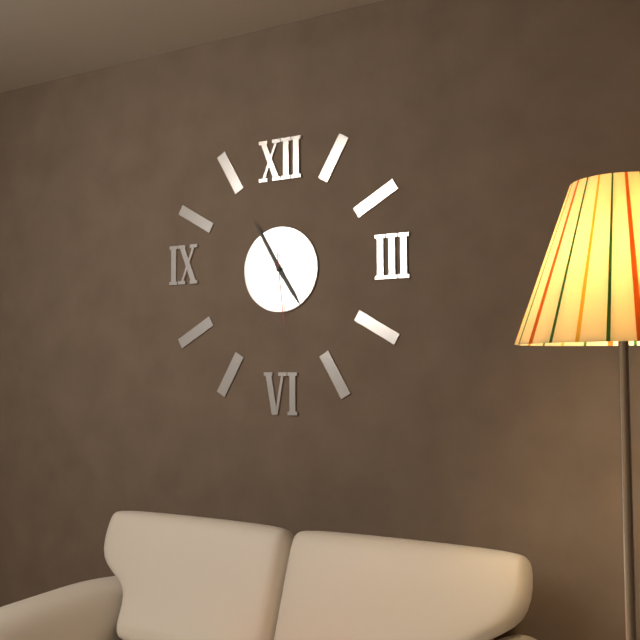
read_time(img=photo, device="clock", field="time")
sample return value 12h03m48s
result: 4h55m29s
